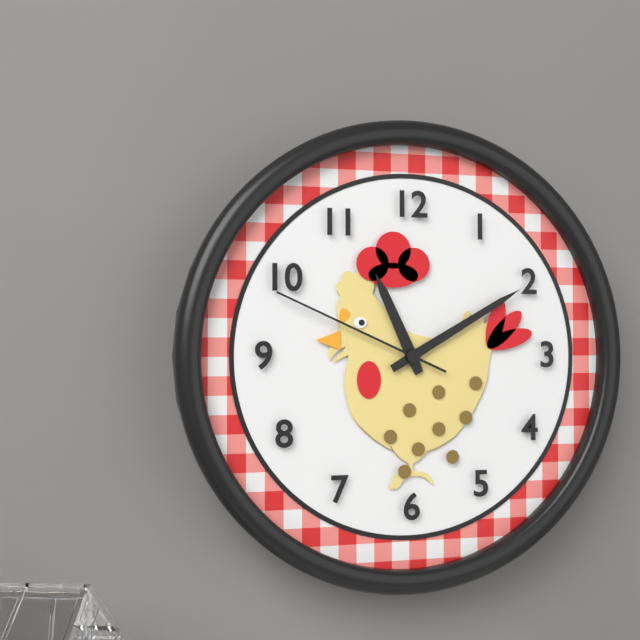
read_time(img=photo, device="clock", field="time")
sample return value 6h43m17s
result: 11h10m49s
